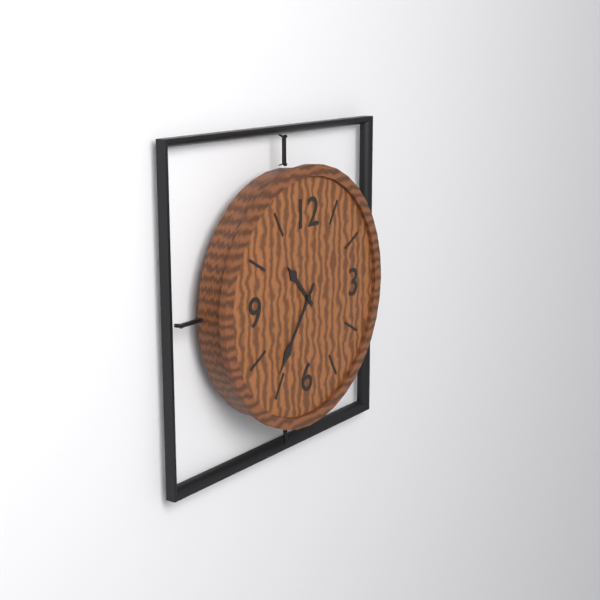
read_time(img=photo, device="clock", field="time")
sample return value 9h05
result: 10h36
